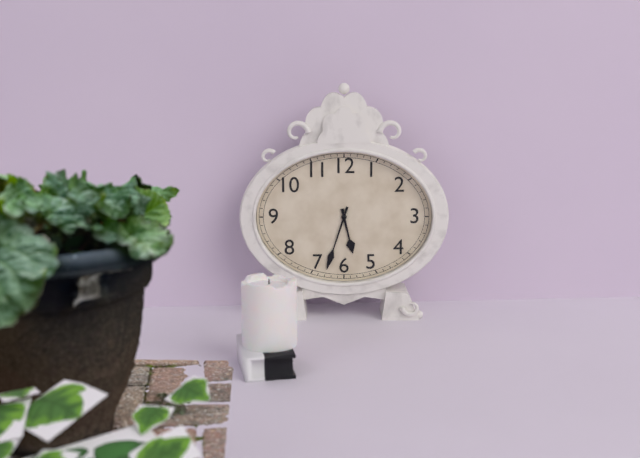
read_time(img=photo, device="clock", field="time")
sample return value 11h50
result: 5h33
